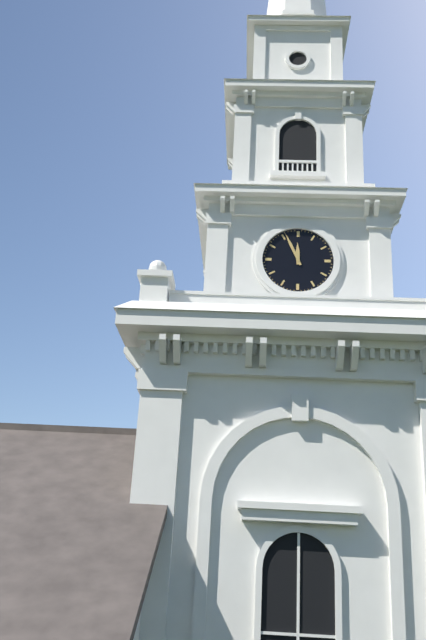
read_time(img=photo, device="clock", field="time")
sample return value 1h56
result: 11h56
